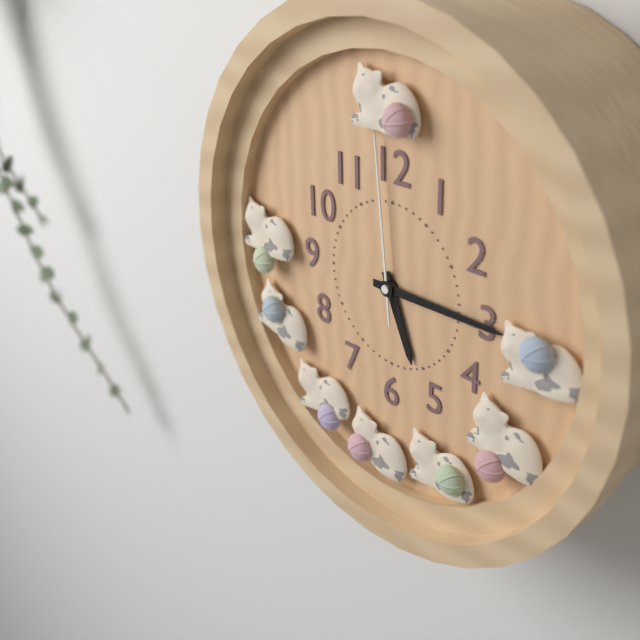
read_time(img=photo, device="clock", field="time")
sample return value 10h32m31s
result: 5h15m59s
